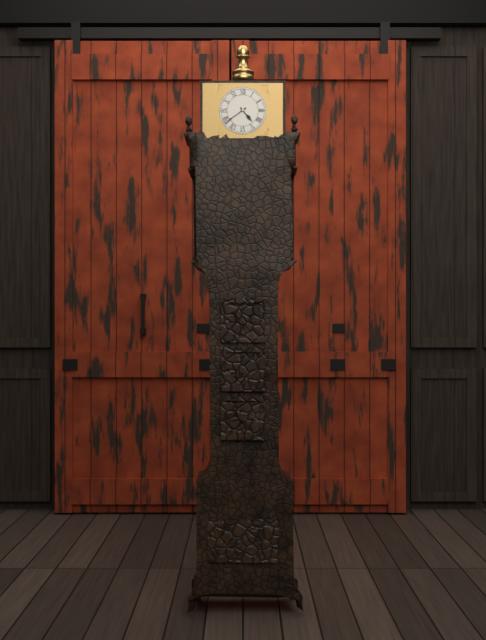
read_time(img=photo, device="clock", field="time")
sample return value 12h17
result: 4h39
